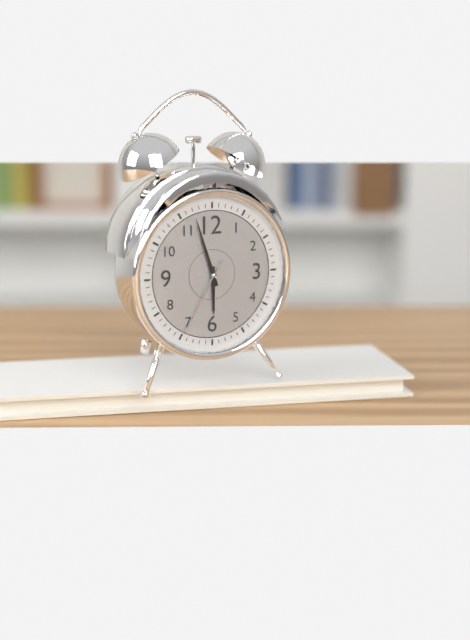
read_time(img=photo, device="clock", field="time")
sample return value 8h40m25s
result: 5h57m35s
